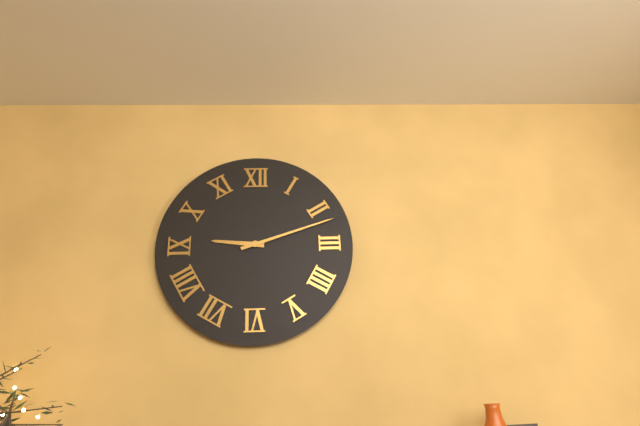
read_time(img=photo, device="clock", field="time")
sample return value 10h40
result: 9h12
